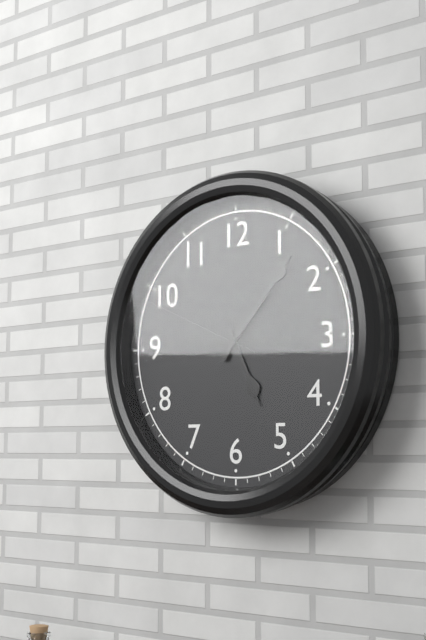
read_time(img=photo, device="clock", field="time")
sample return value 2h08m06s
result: 5h07m49s
